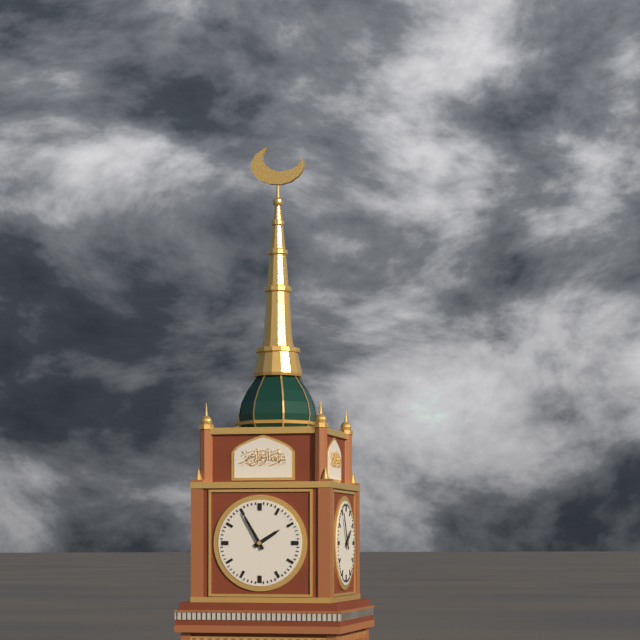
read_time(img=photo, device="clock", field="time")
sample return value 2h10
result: 1h55
